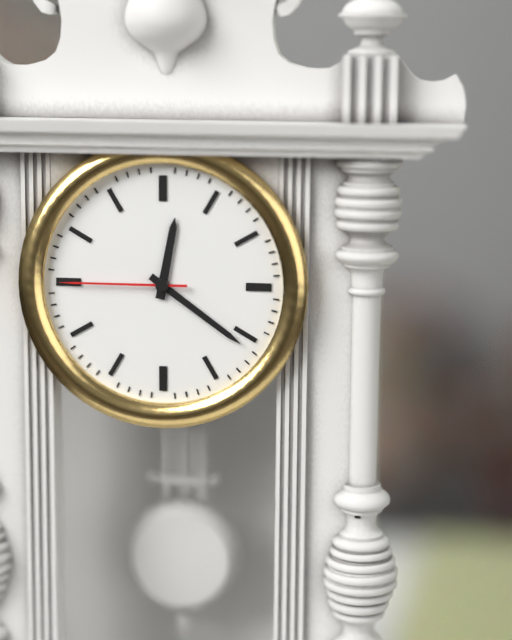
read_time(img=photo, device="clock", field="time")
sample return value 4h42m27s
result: 12h21m45s
